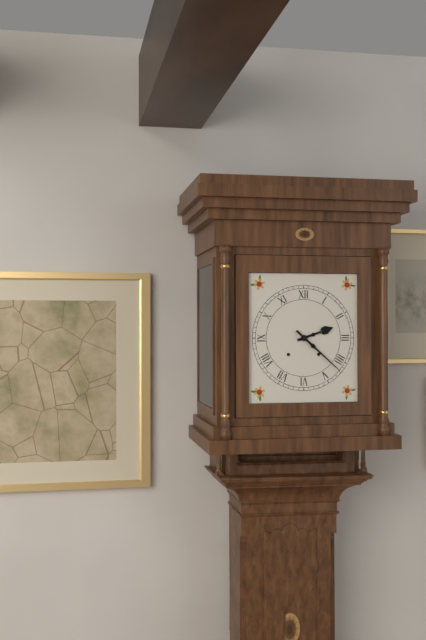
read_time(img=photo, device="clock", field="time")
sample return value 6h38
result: 2h22
